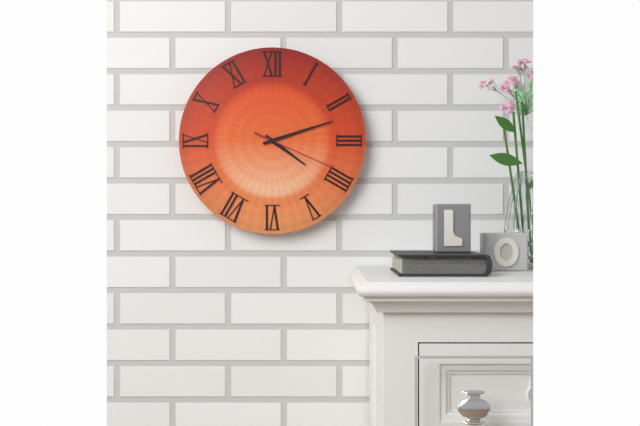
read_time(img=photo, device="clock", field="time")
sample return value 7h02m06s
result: 4h12m19s
